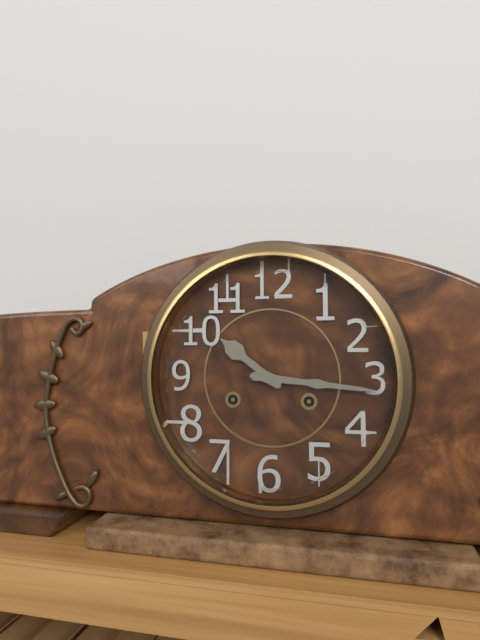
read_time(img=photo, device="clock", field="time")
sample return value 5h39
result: 10h16
